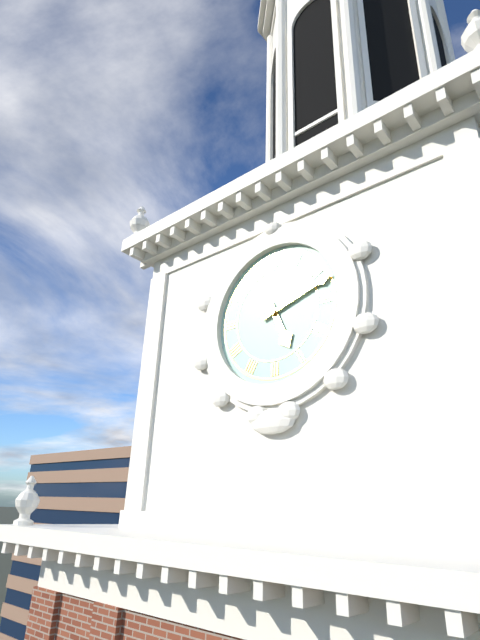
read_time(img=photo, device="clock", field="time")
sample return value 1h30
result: 5h12
